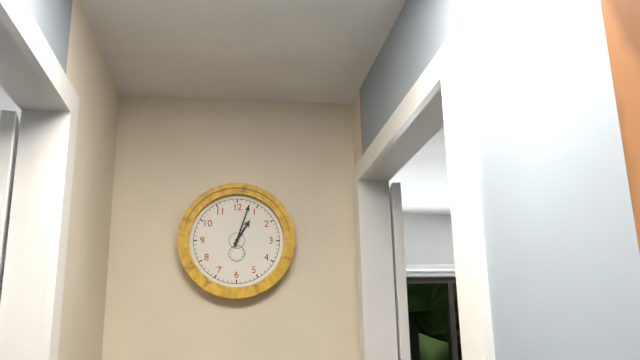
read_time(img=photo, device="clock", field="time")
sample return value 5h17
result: 1h03
